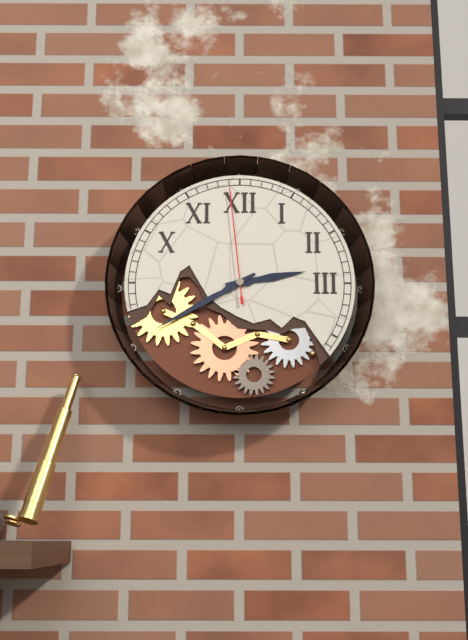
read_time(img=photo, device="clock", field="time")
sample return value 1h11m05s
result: 2h40m59s
